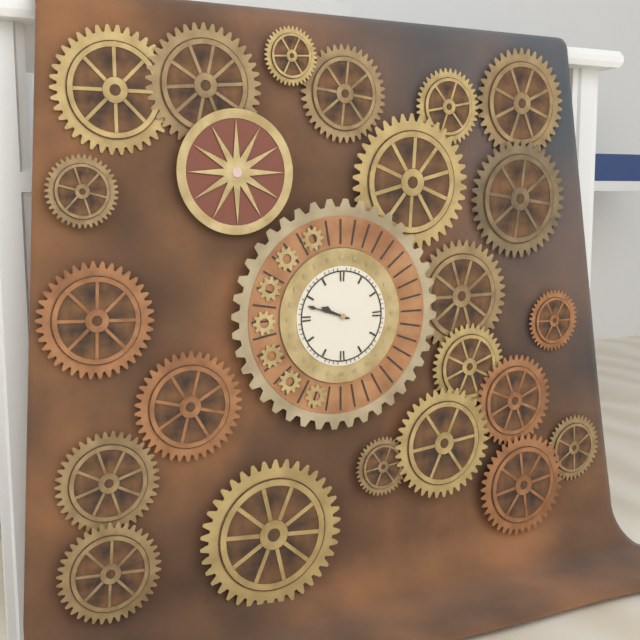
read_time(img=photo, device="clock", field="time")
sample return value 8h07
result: 9h48
